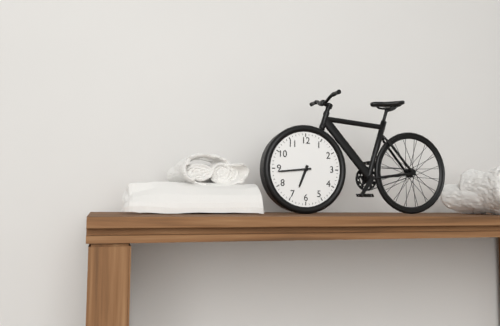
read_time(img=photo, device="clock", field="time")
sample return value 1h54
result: 6h44
